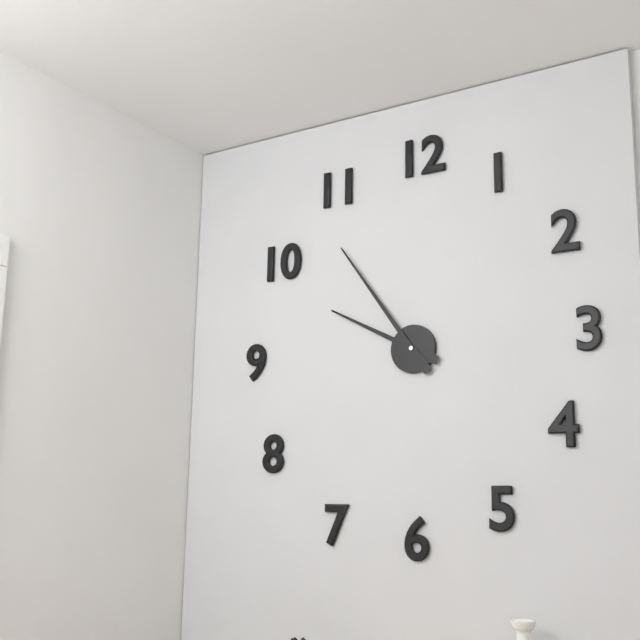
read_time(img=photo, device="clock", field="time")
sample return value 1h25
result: 9h54
